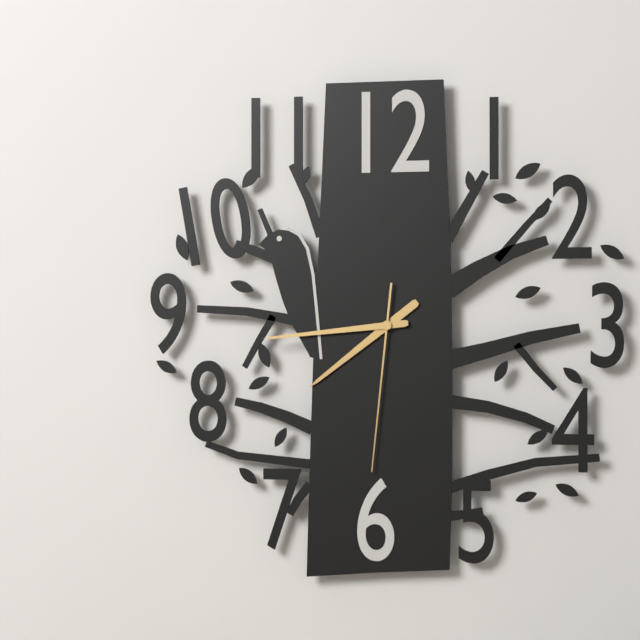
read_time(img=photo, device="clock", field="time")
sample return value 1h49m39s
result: 7h44m31s
